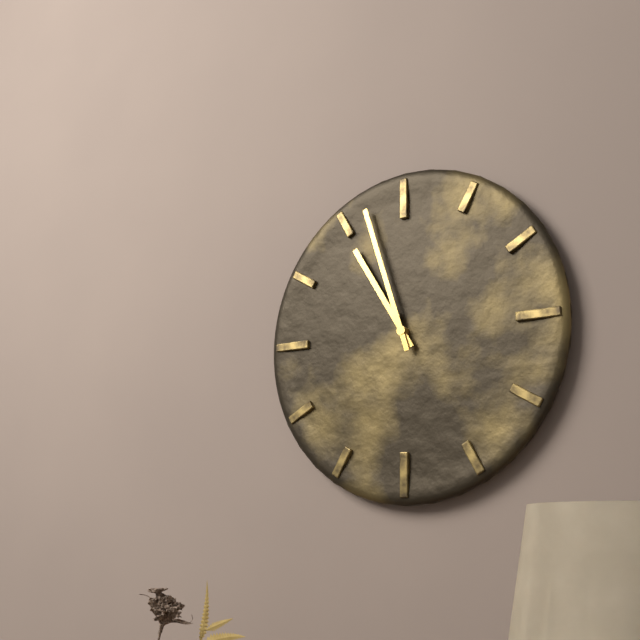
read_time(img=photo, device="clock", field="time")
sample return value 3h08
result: 10h57
